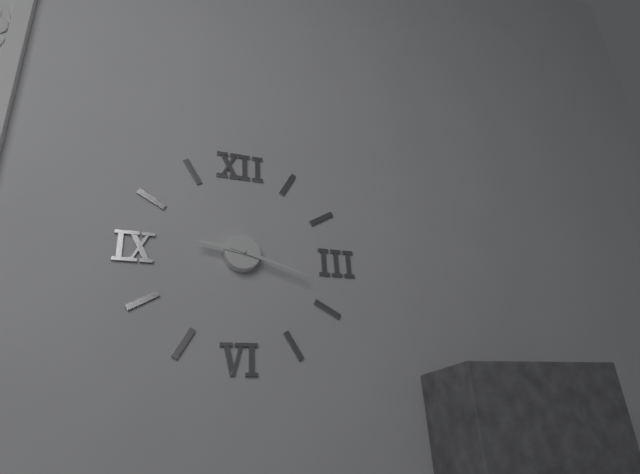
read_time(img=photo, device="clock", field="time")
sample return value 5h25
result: 9h18
